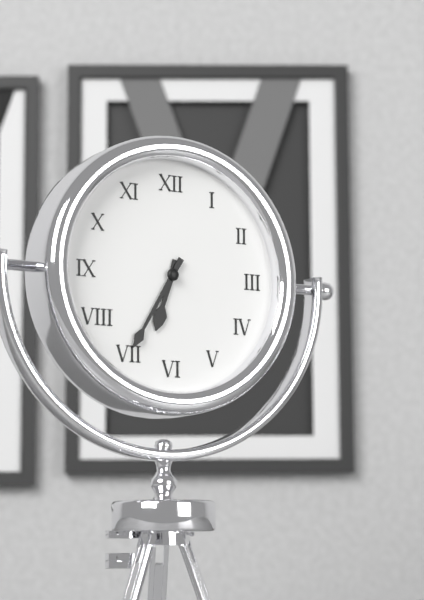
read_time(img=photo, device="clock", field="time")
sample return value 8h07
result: 6h35
